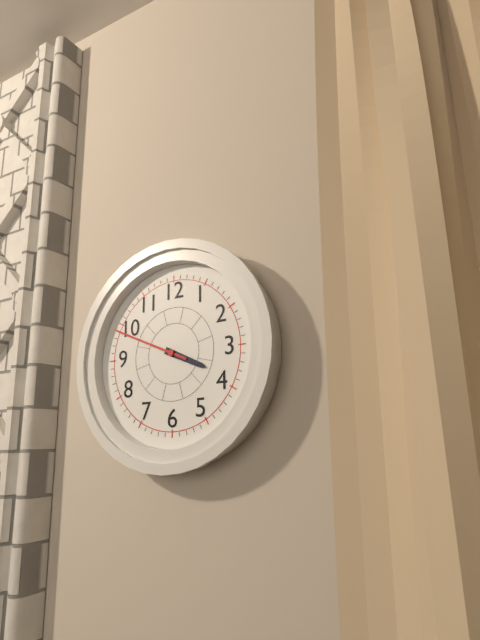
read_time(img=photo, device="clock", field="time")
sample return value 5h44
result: 3h49
